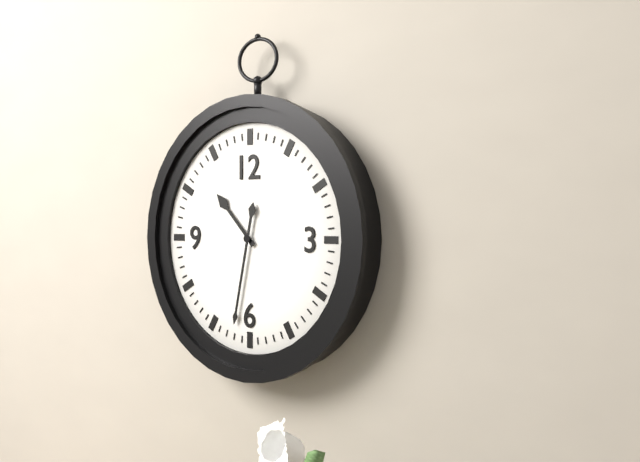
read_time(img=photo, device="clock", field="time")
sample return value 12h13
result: 10h32
